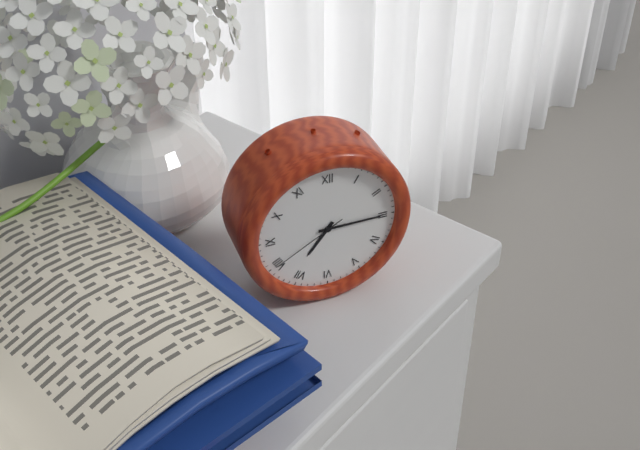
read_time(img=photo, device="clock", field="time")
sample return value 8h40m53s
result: 7h15m40s
